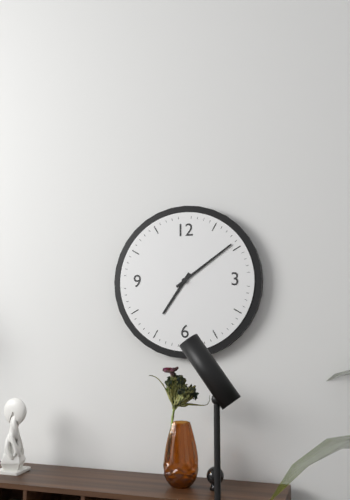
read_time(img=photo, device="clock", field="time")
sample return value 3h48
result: 7h09
